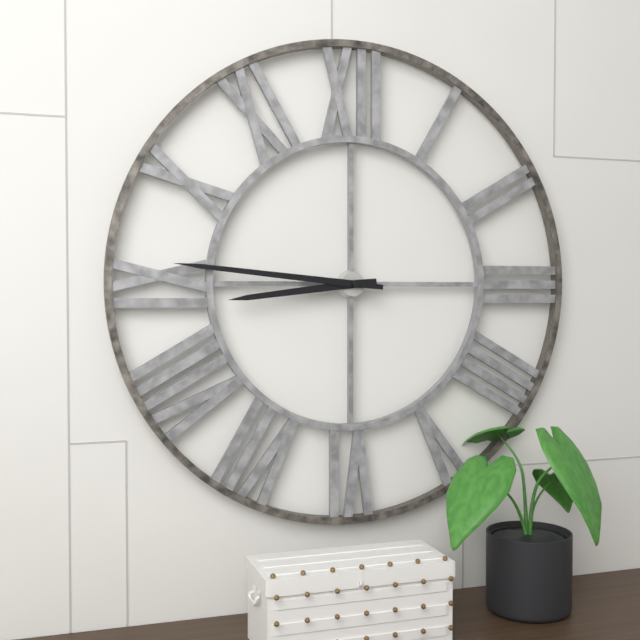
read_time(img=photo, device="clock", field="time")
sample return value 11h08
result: 8h46
